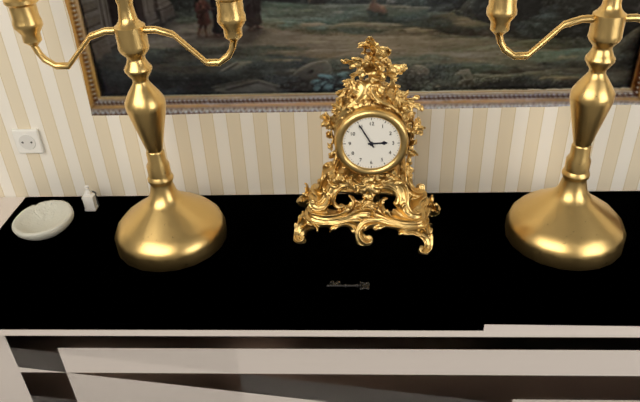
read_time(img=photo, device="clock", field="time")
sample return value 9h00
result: 2h55
